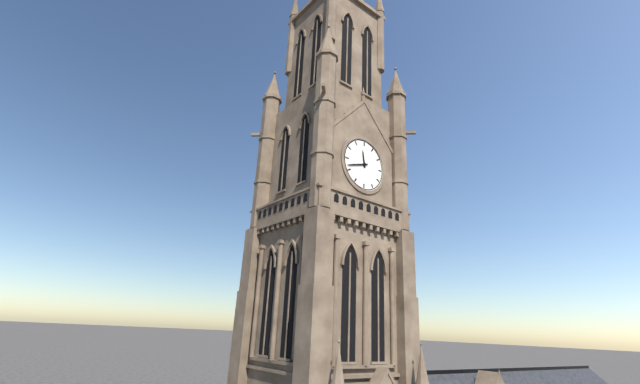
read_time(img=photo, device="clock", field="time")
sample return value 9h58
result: 11h42
